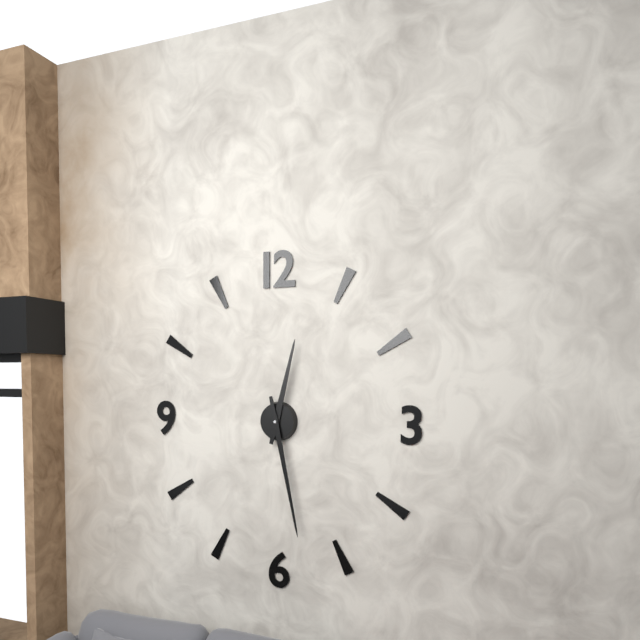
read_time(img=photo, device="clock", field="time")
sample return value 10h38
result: 12h28
